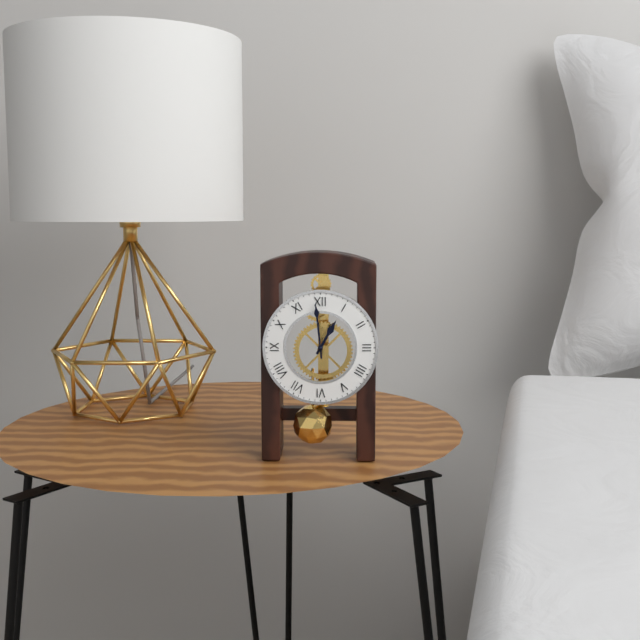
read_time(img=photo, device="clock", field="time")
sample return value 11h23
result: 12h59
